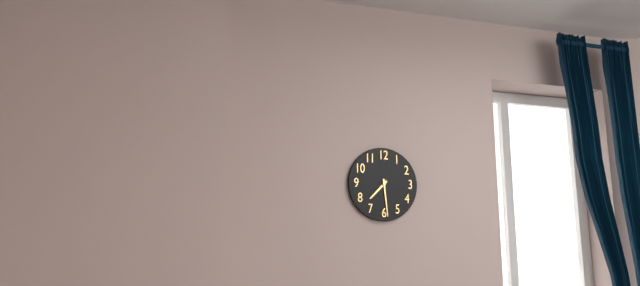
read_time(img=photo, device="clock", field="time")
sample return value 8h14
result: 7h29
